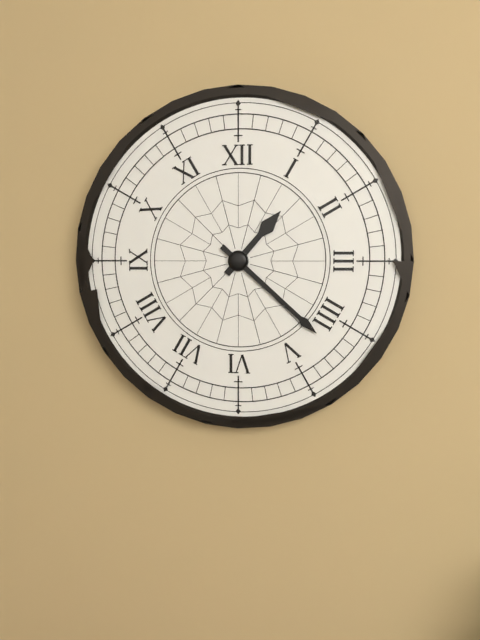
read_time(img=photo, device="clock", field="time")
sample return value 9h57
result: 1h22
